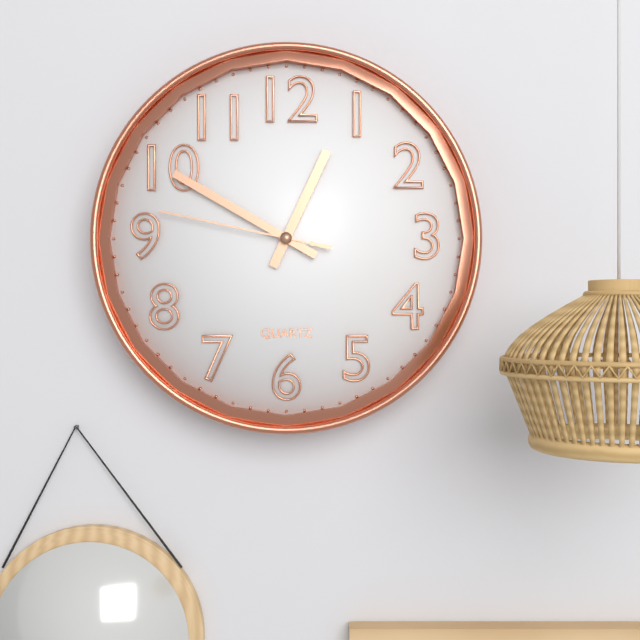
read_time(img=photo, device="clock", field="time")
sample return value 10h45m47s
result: 12h50m47s
